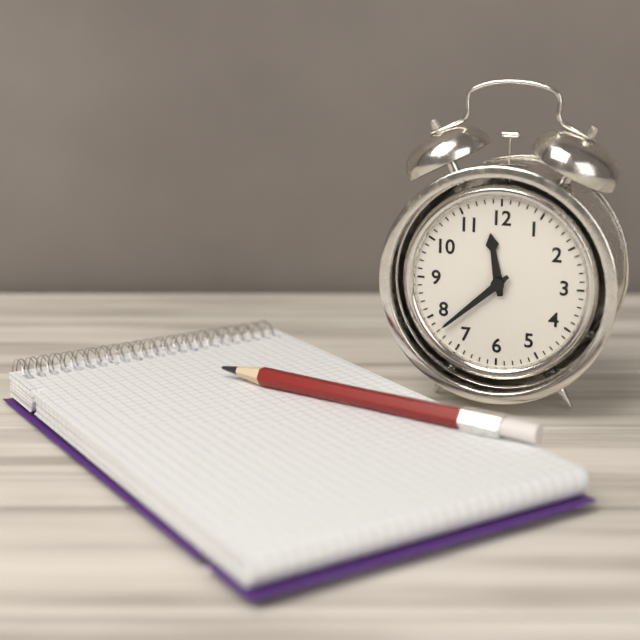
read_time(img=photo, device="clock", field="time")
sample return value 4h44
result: 11h38
